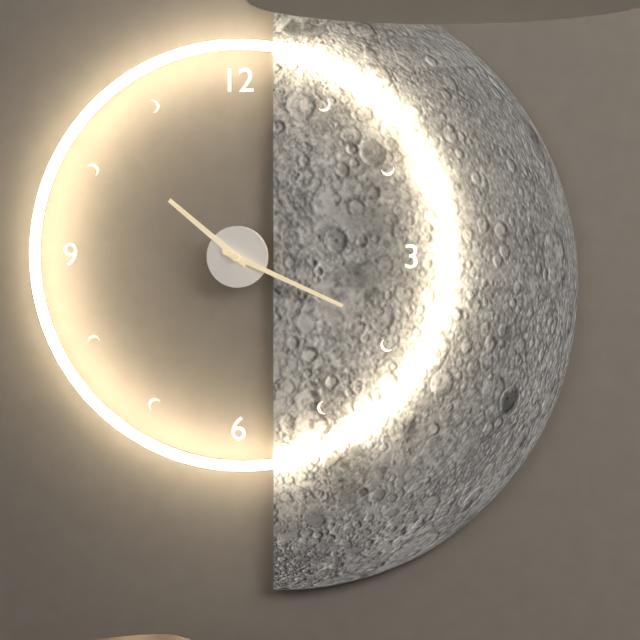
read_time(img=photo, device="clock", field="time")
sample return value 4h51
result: 10h19
